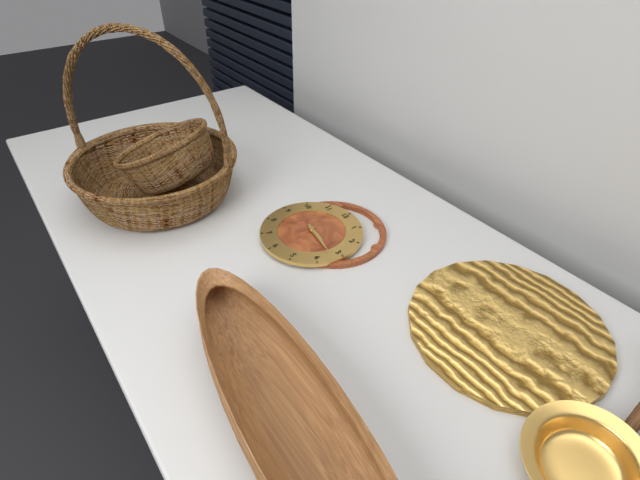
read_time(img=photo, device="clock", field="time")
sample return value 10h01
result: 3h17
